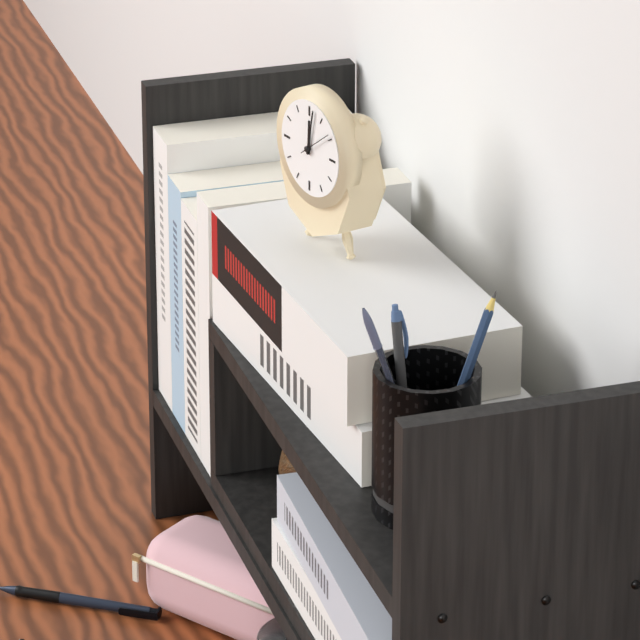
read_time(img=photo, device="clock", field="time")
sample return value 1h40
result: 12h02
